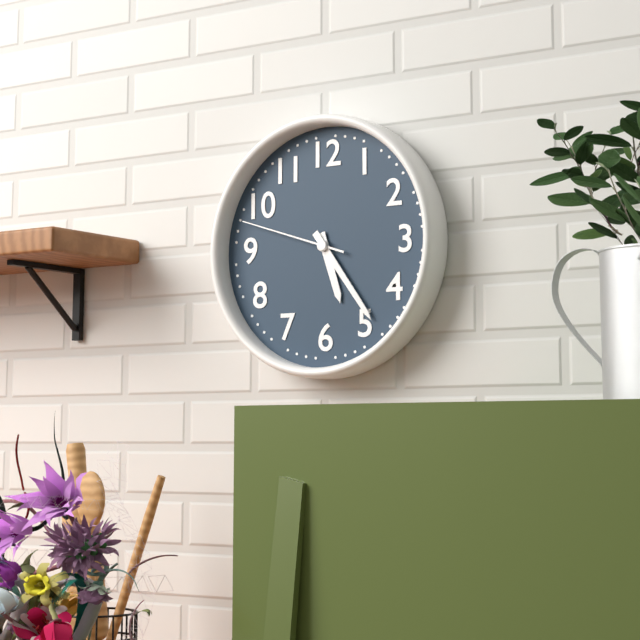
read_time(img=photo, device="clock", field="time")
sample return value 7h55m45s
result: 5h24m48s
